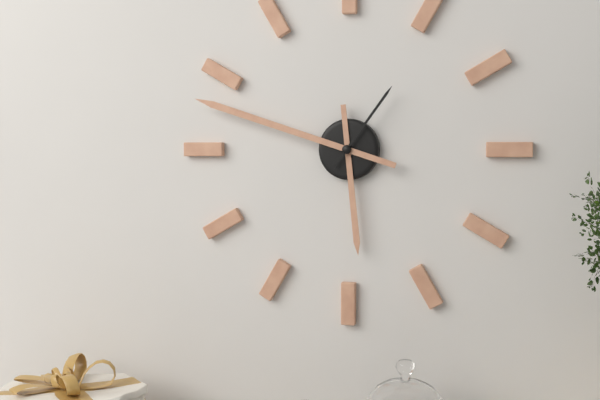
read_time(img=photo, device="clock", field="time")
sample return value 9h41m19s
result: 5h48m06s
